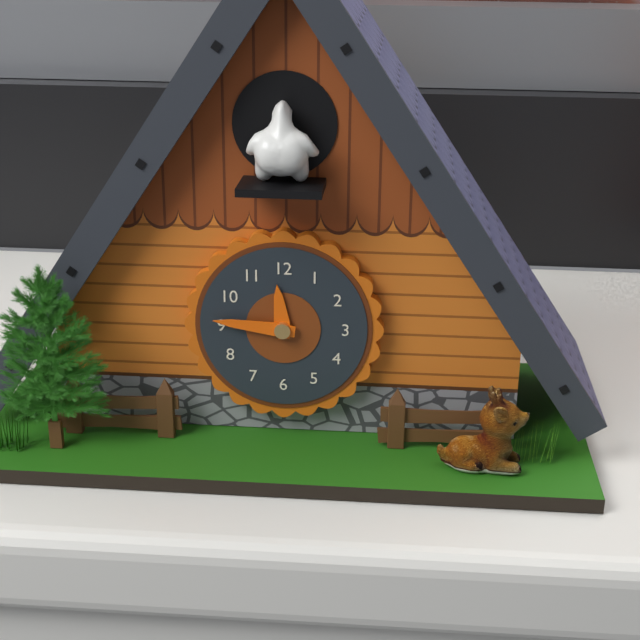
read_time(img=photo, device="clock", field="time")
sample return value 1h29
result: 11h46
